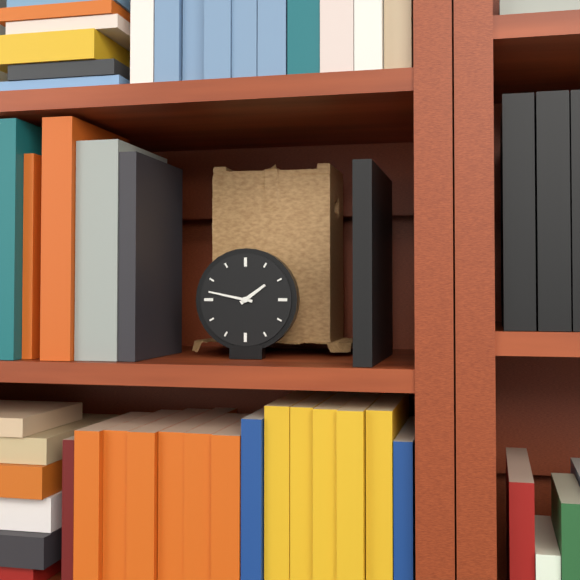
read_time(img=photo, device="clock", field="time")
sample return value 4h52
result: 1h47
